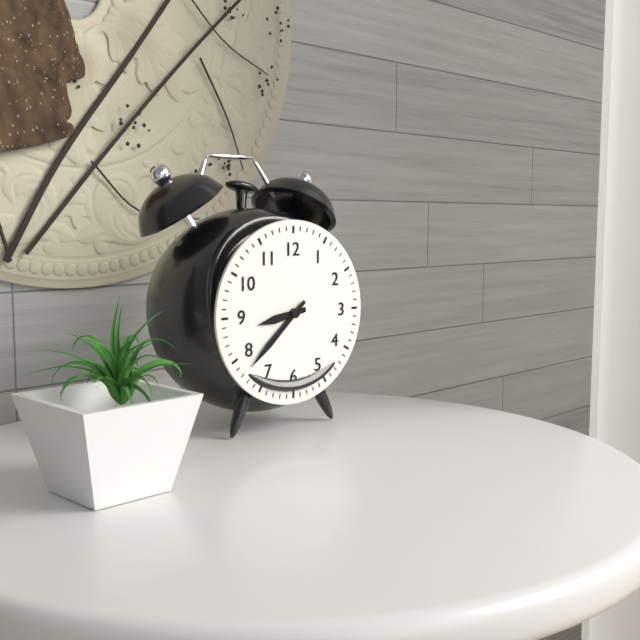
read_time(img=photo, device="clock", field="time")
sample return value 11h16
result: 8h38
